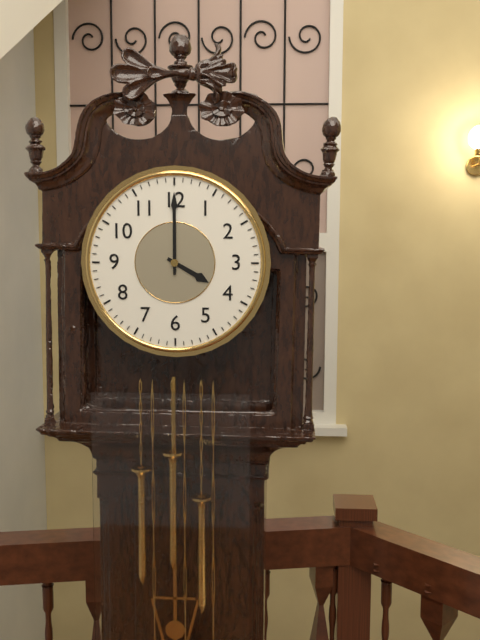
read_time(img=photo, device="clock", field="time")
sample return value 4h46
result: 4h00
